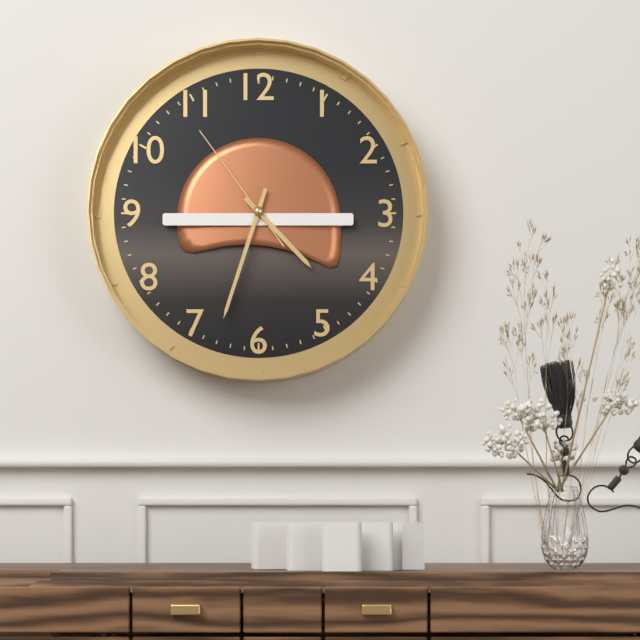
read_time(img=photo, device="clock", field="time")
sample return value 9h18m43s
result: 4h33m54s
